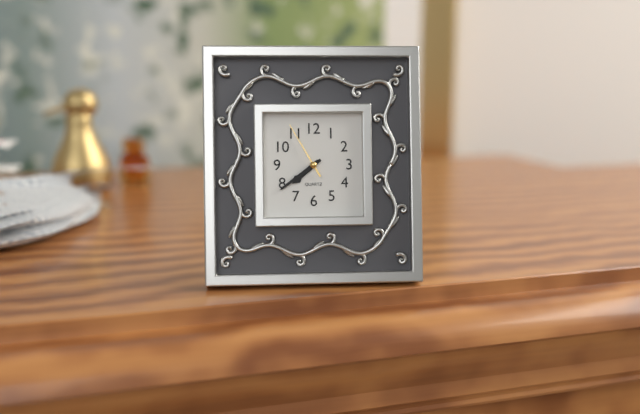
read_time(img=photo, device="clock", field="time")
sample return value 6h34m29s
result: 7h39m55s
